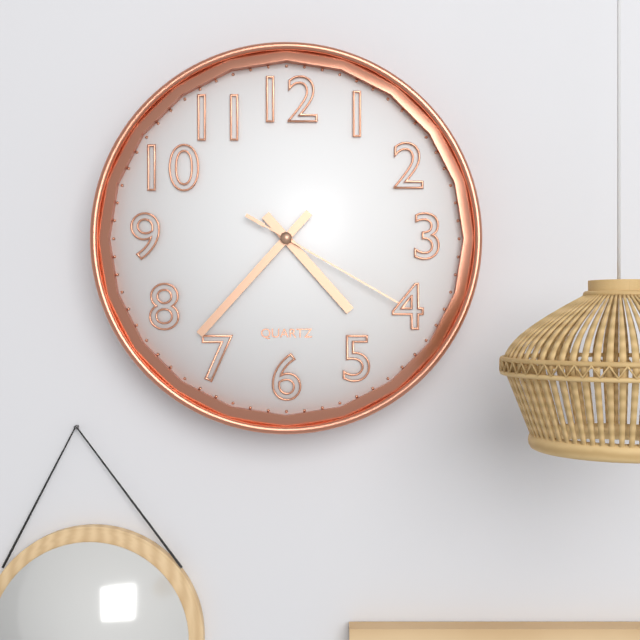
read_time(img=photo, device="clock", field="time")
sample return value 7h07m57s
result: 4h37m20s
